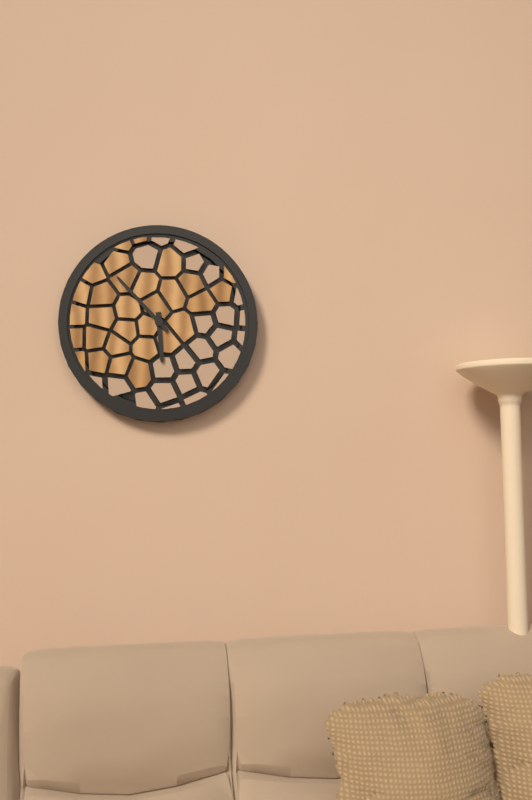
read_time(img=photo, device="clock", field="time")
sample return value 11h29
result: 5h53
